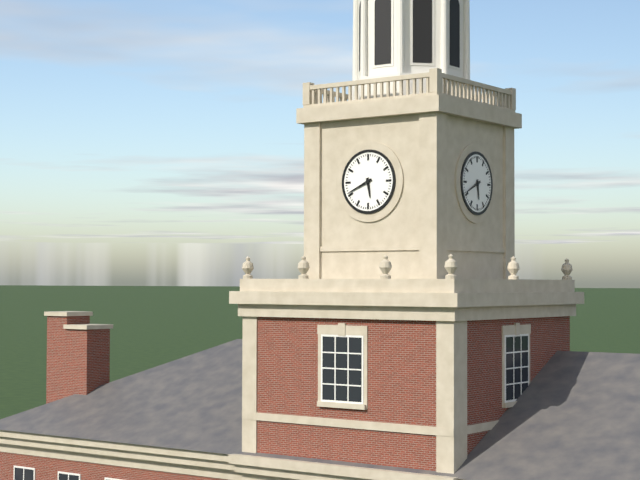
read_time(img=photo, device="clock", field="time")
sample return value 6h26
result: 5h41
